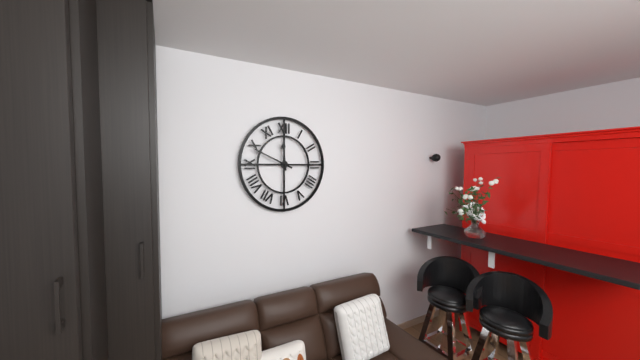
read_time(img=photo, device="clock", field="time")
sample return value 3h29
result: 11h49
